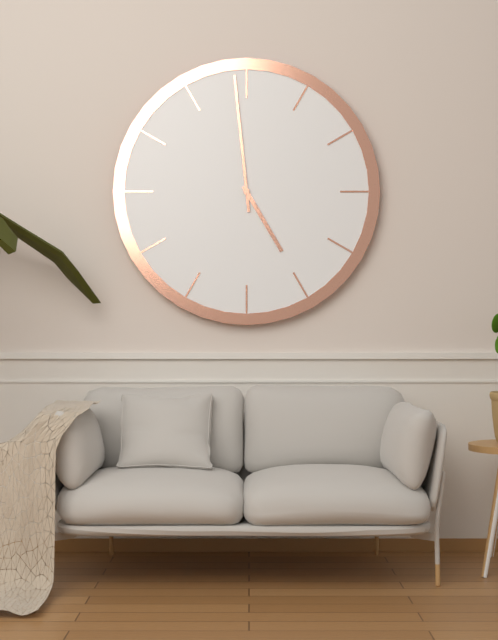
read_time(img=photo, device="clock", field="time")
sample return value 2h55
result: 4h59
